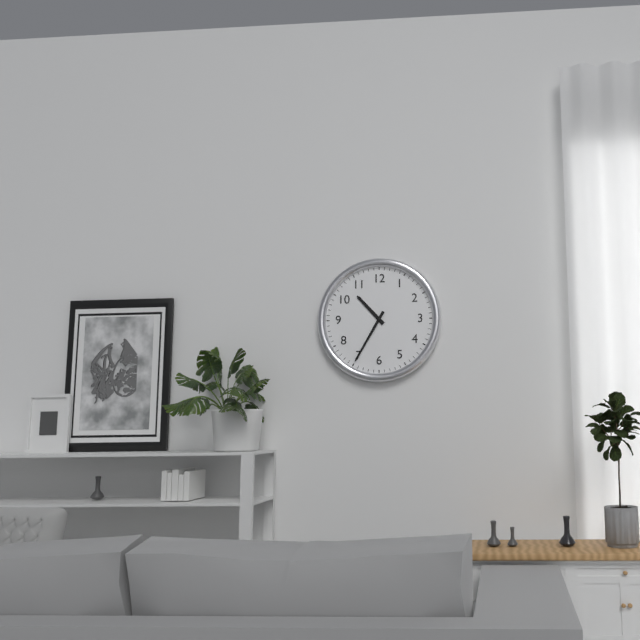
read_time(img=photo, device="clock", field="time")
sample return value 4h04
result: 10h35
